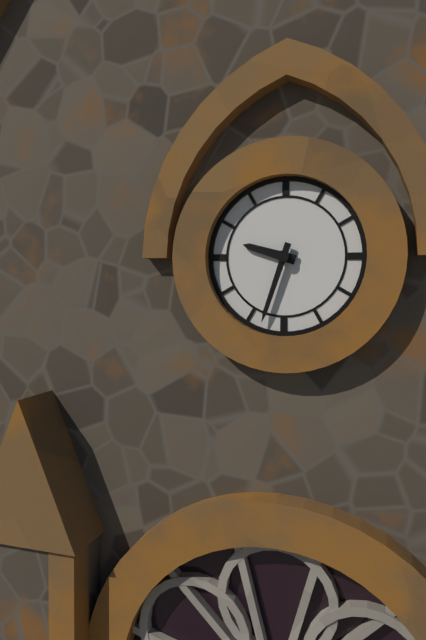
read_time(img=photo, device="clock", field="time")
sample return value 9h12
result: 9h33
